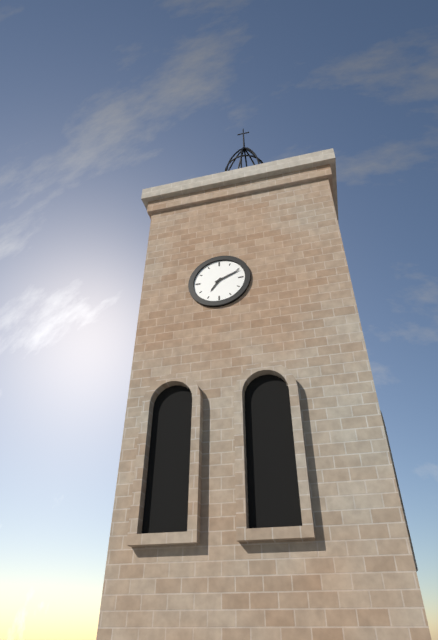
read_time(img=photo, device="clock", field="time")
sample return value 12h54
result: 7h11
